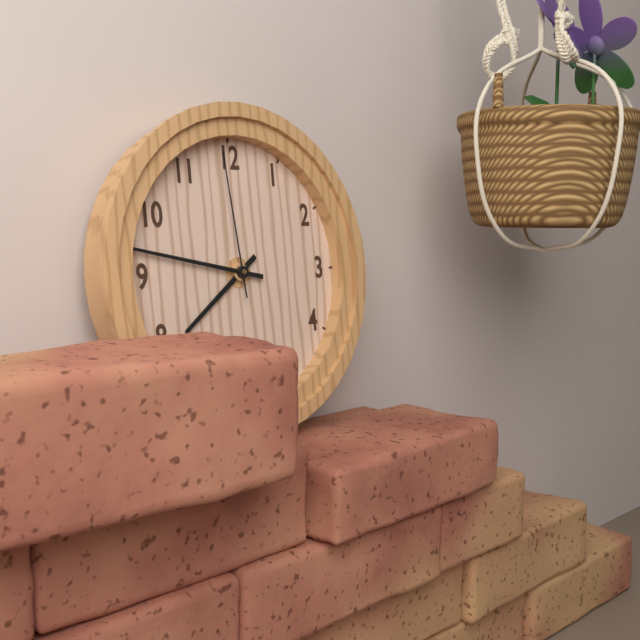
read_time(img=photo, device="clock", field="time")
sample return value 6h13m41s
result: 7h47m59s
